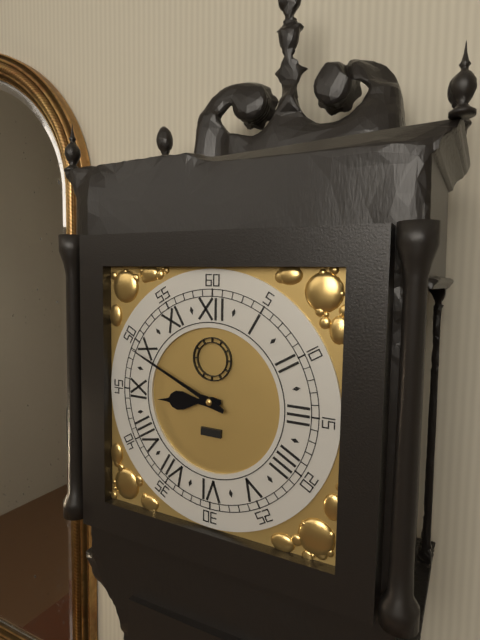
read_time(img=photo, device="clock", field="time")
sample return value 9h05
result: 8h49
